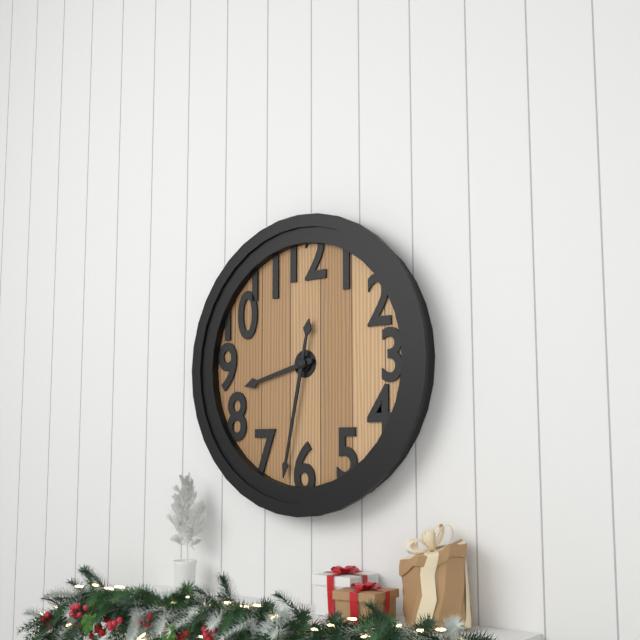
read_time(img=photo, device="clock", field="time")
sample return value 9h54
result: 8h32
